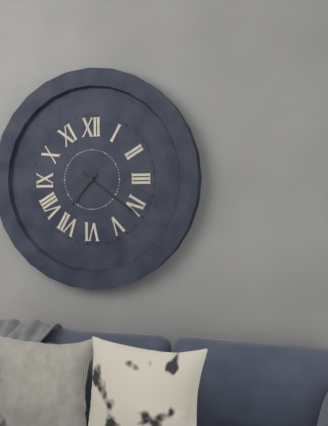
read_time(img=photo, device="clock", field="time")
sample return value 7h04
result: 7h21
